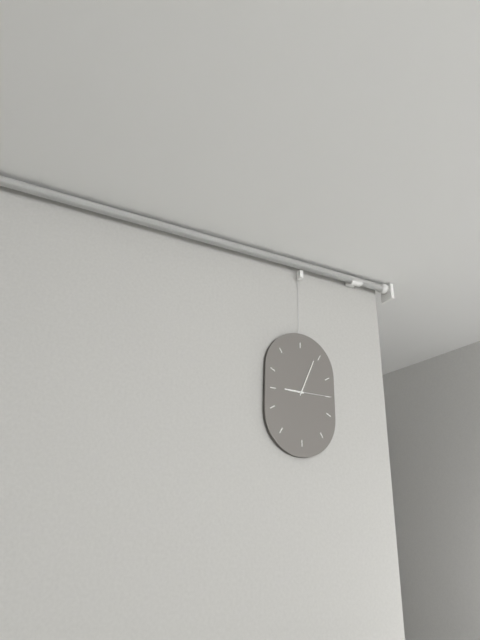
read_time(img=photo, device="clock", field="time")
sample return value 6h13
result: 9h04
